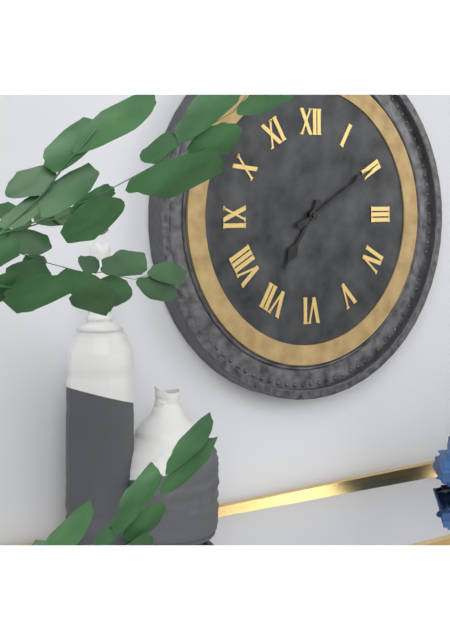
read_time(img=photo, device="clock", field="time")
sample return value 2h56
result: 7h10
